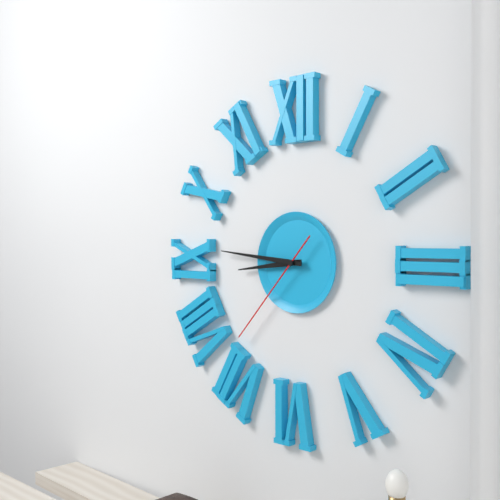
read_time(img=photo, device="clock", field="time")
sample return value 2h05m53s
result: 8h46m37s
